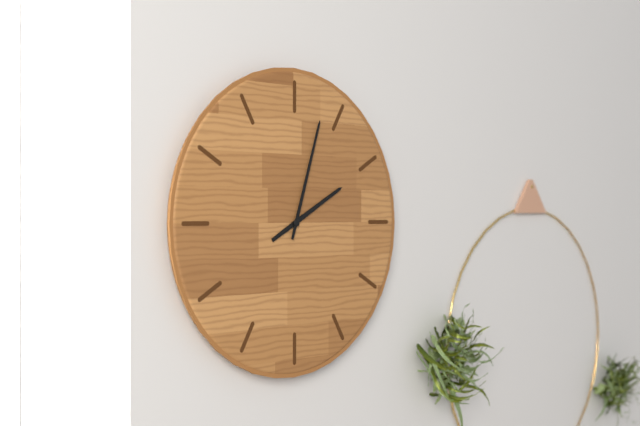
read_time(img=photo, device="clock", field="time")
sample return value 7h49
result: 2h03
